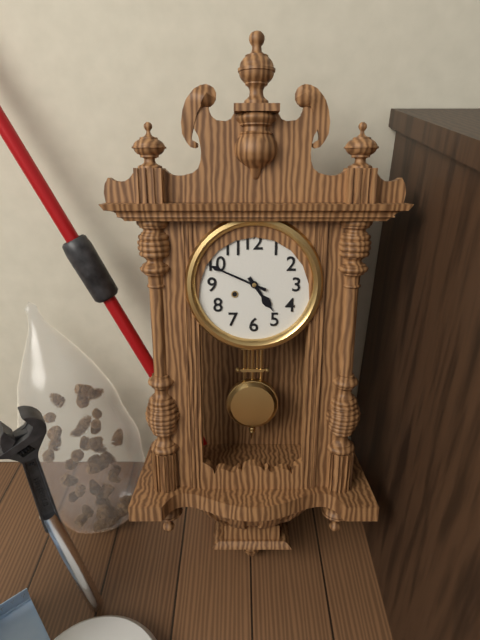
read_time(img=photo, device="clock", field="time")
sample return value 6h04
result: 4h49
